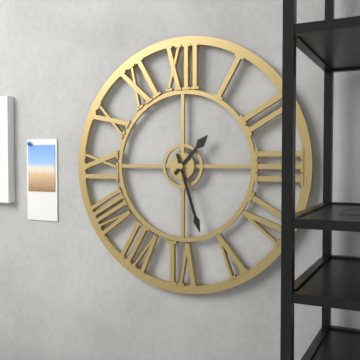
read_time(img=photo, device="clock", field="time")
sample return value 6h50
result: 1h27
